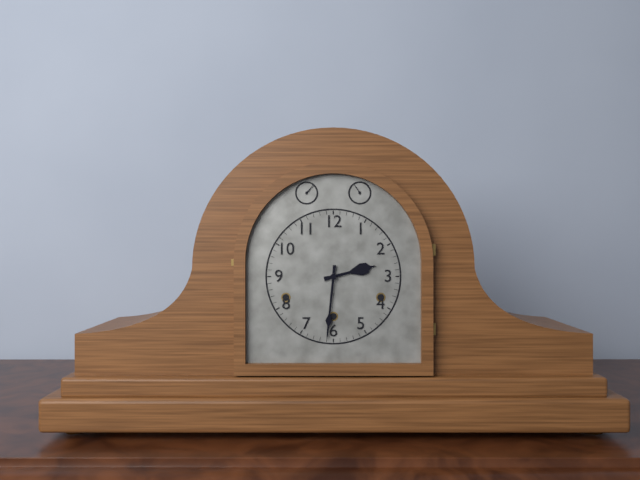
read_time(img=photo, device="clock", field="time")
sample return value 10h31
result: 2h31
